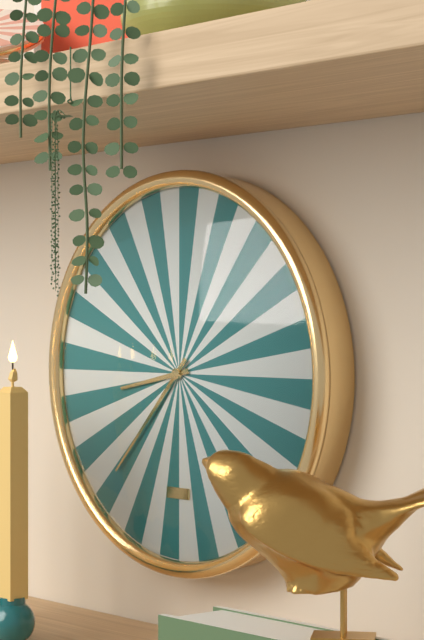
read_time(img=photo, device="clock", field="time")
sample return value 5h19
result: 8h37
